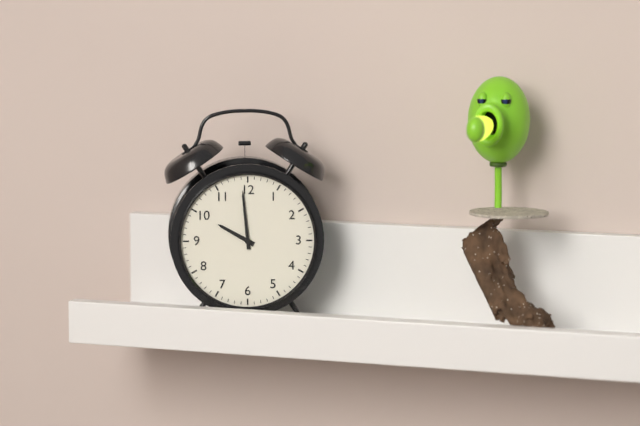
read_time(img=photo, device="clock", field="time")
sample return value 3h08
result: 9h59
